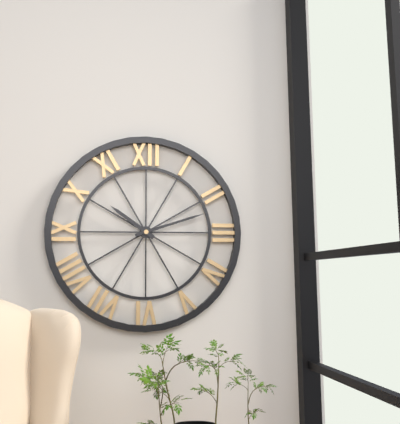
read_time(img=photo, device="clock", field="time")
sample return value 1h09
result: 10h12
